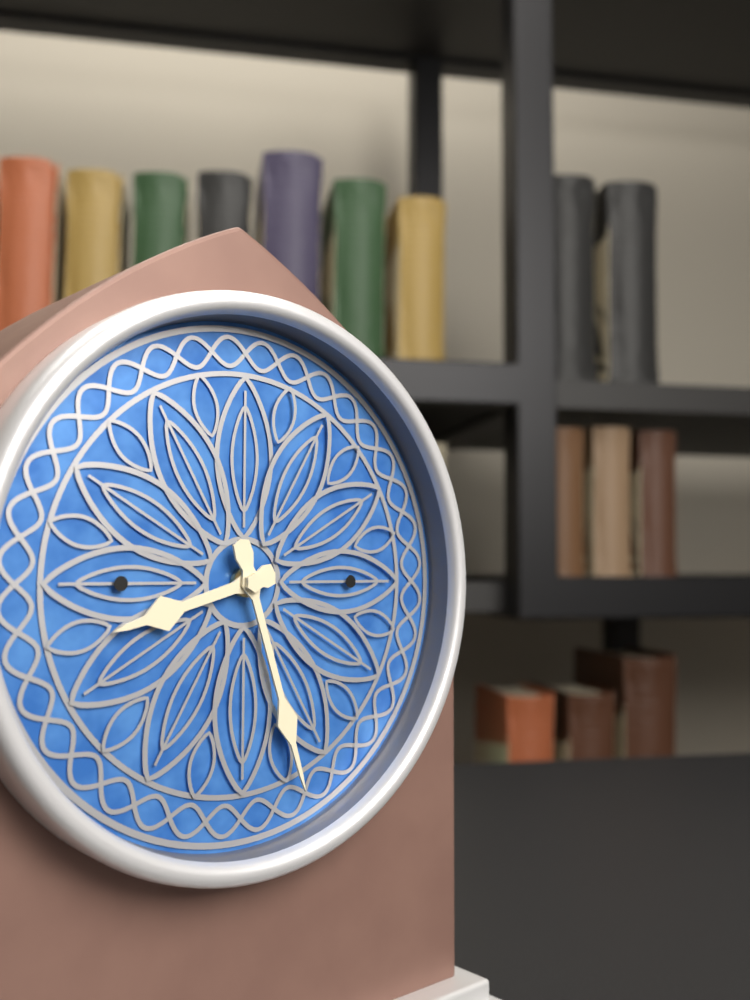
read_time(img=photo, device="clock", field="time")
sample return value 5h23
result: 8h27
